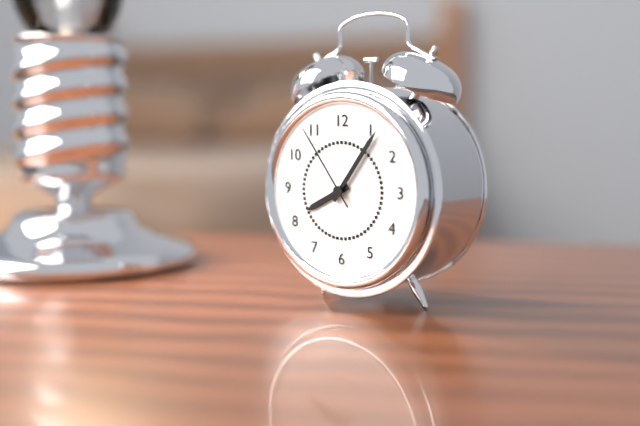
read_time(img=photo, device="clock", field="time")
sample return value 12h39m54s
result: 8h06m54s
